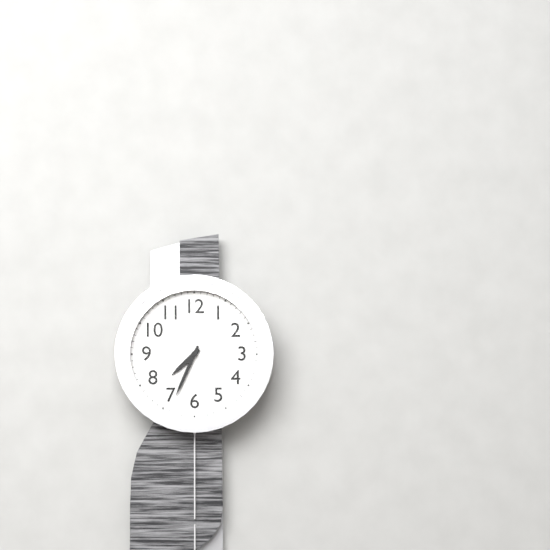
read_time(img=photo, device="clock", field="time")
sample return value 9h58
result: 7h34
